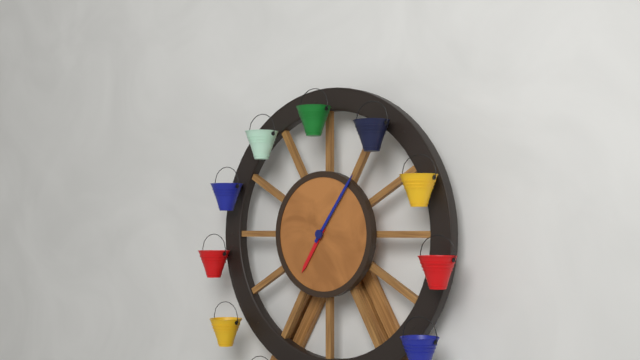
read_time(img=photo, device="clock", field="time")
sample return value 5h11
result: 7h06
